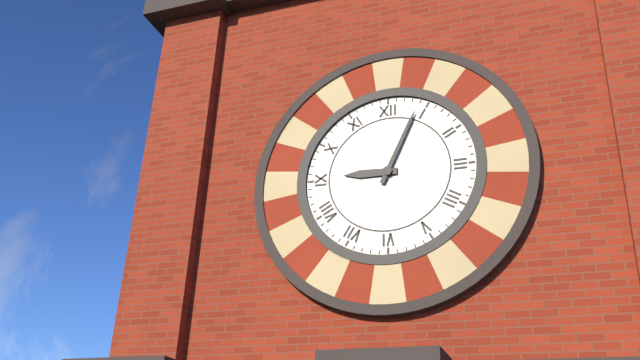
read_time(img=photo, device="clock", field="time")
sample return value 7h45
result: 9h04
